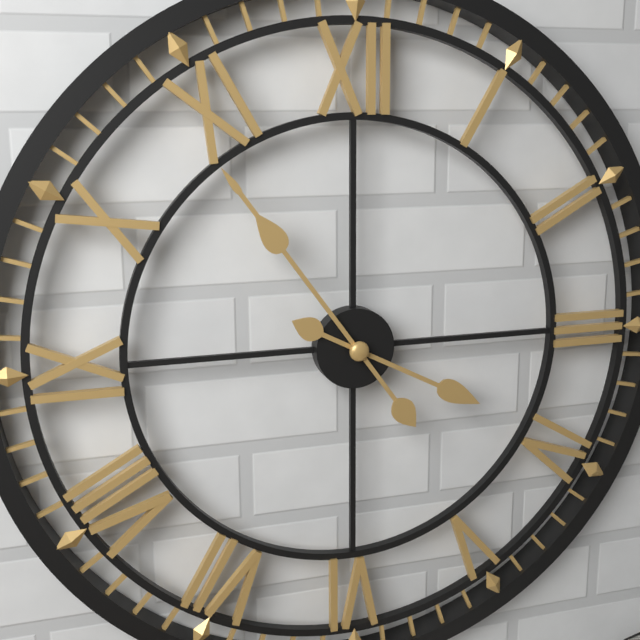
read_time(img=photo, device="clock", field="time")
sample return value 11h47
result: 3h54
